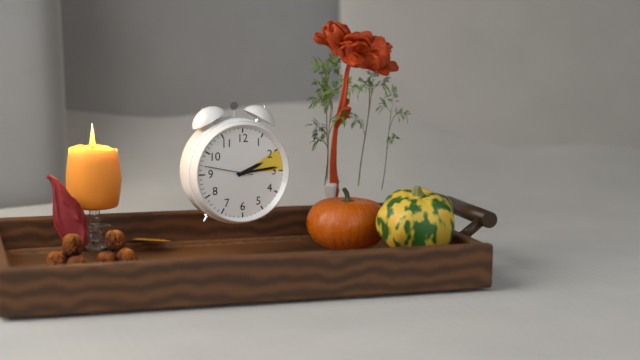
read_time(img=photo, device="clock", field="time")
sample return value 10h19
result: 2h14
